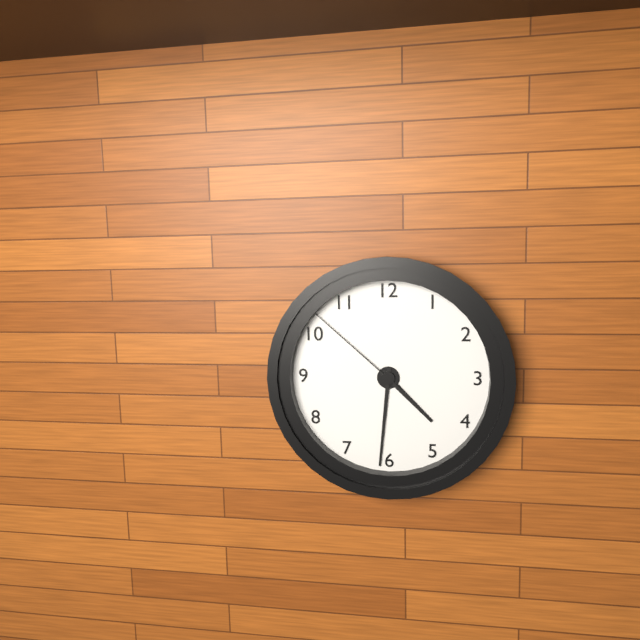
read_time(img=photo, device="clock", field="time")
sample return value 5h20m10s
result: 4h31m52s
